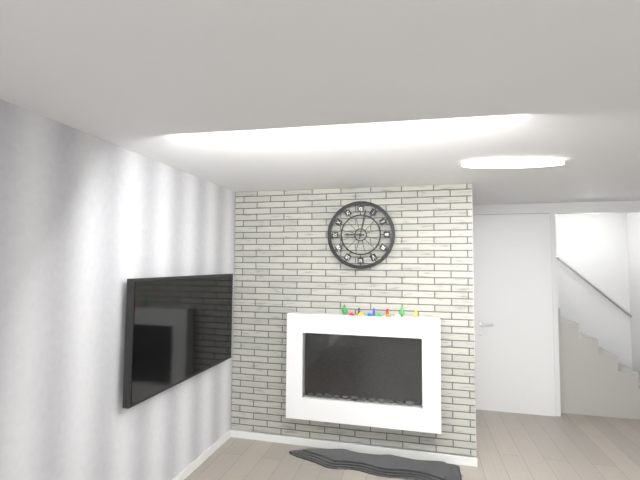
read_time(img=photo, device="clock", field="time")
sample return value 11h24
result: 9h02
